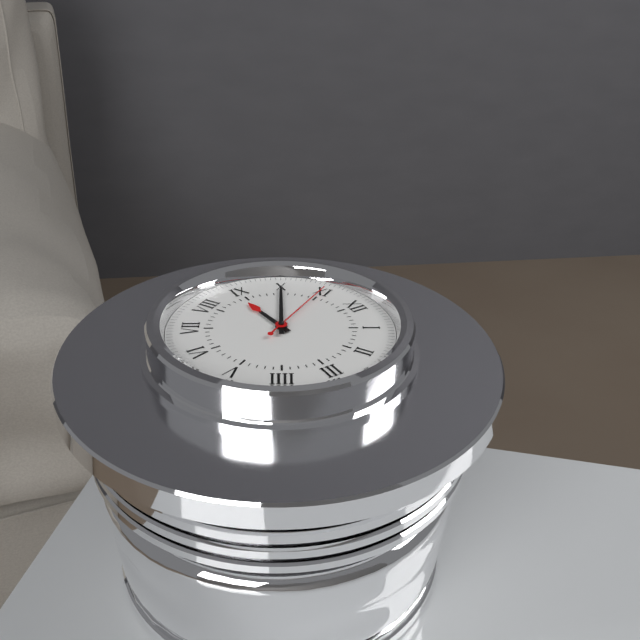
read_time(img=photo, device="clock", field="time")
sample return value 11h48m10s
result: 8h50m55s
